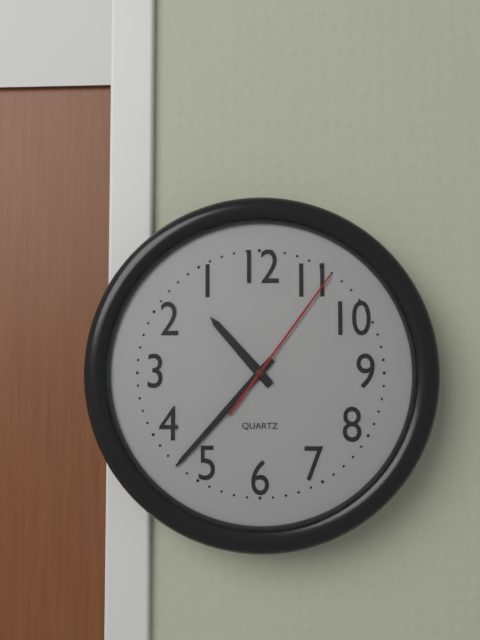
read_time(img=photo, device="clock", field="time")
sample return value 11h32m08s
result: 10h37m06s
